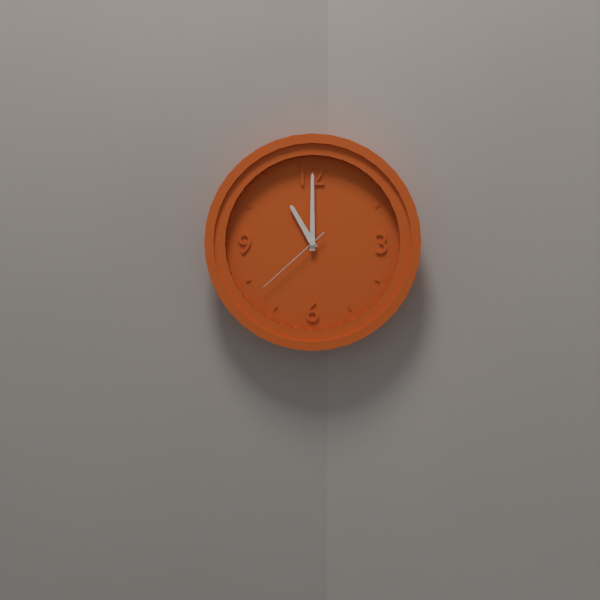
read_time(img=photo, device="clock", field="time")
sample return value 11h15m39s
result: 11h00m38s
